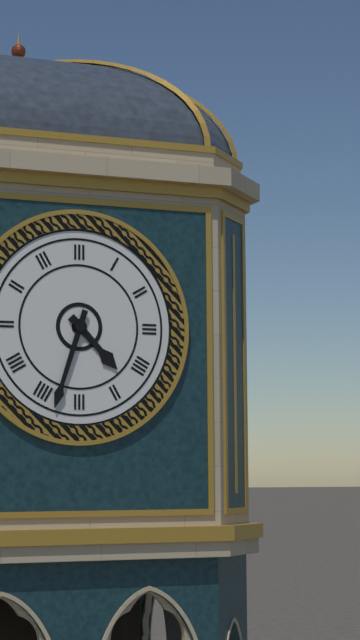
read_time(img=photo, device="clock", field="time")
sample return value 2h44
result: 4h33
